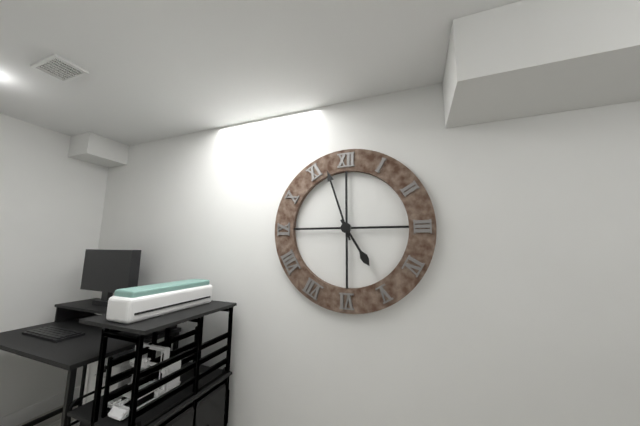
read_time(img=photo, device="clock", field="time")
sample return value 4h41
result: 4h57
